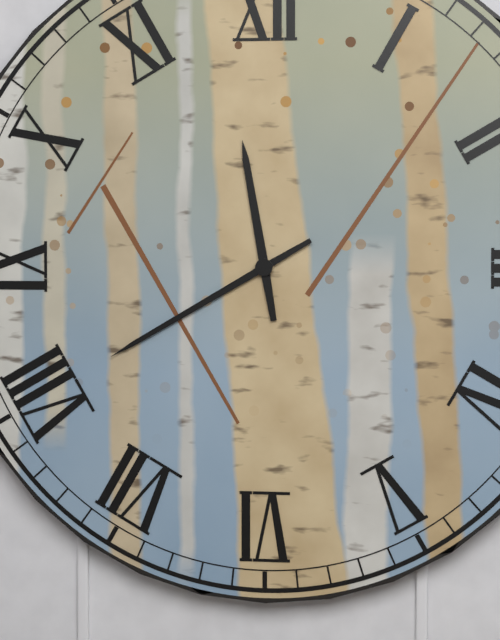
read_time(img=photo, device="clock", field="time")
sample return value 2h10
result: 11h40
